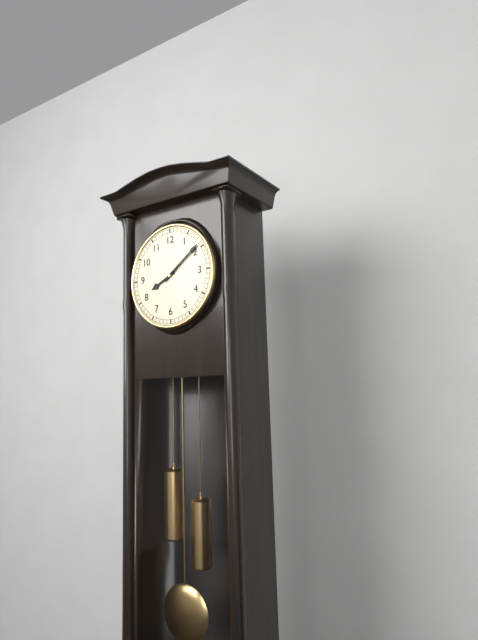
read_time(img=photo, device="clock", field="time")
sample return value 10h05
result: 8h09
